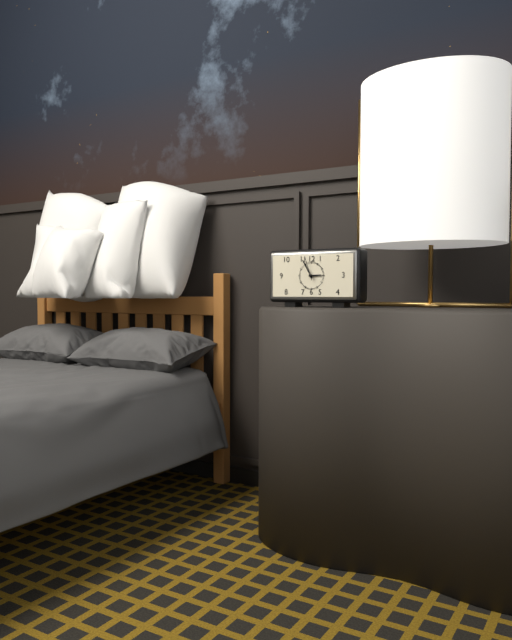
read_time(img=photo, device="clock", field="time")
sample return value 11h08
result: 2h55
